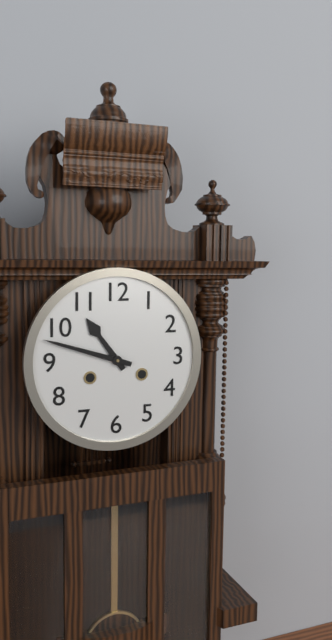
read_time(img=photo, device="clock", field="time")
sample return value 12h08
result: 10h48
